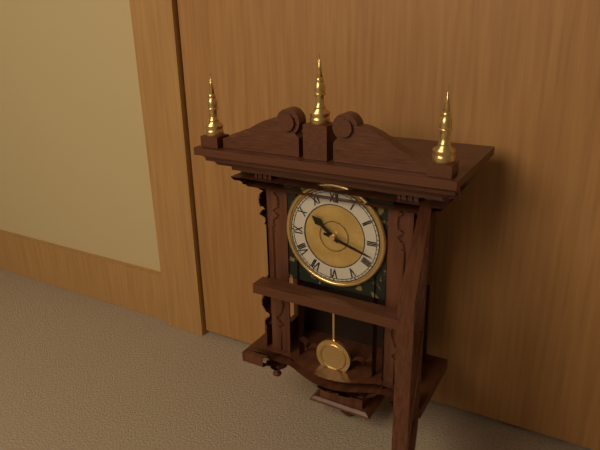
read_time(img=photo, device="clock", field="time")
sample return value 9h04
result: 10h18
